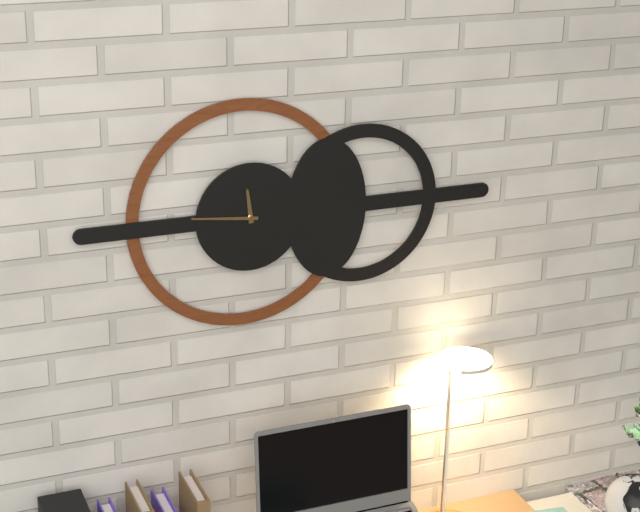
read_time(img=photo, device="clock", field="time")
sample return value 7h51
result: 11h46
